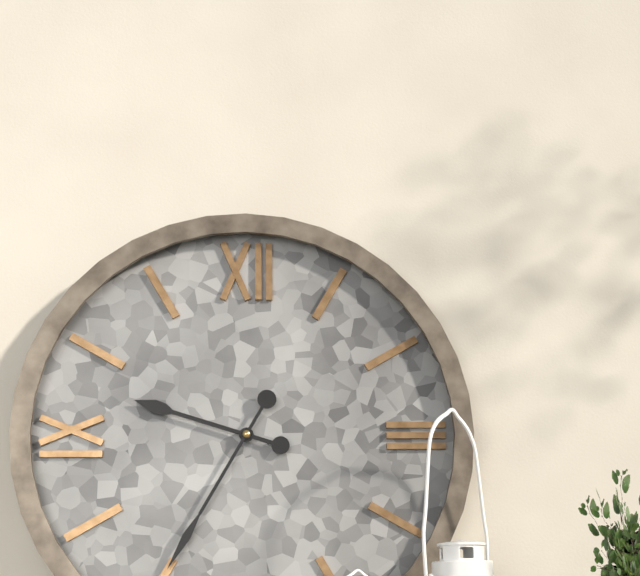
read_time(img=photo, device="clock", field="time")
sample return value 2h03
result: 9h35
